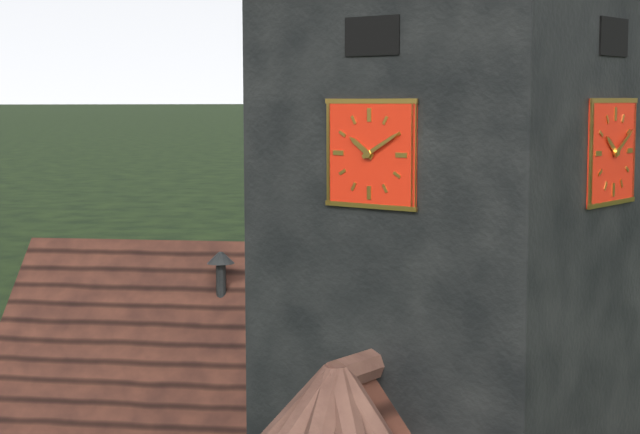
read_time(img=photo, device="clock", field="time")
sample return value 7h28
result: 10h10
